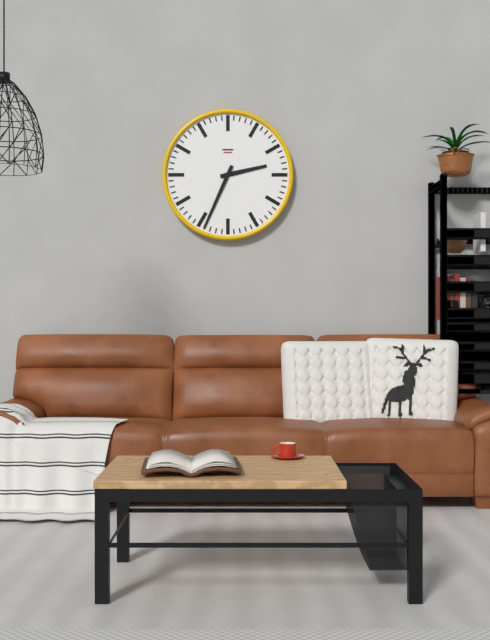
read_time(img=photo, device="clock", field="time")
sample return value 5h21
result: 2h34
